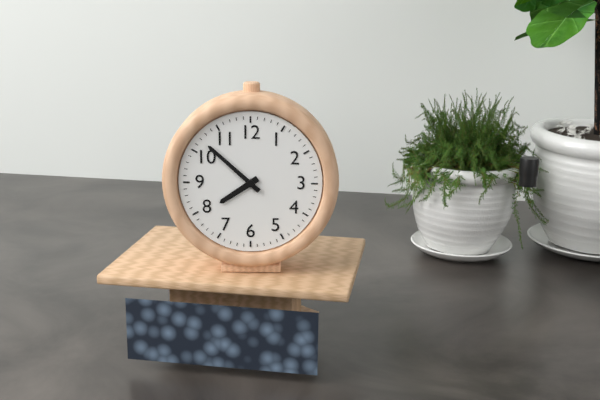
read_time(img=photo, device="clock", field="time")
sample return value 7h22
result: 7h52
